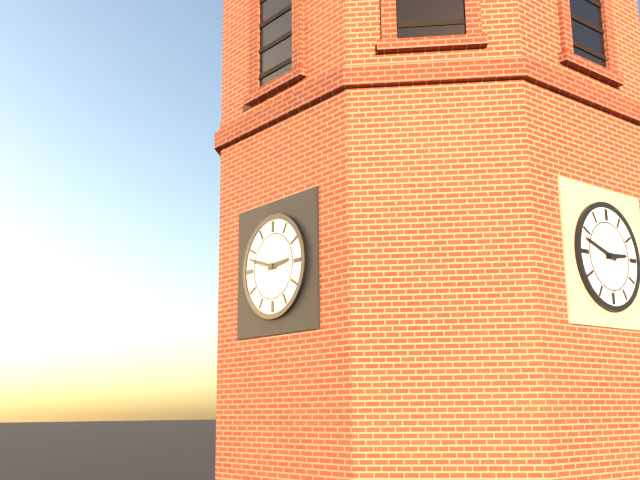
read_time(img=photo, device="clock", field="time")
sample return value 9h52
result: 2h48
